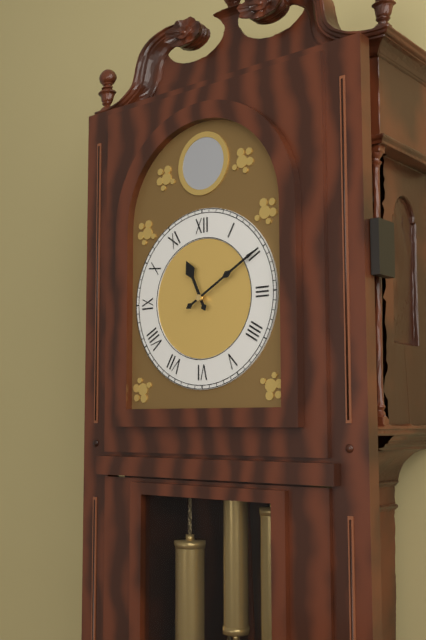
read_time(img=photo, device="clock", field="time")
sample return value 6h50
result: 11h10
